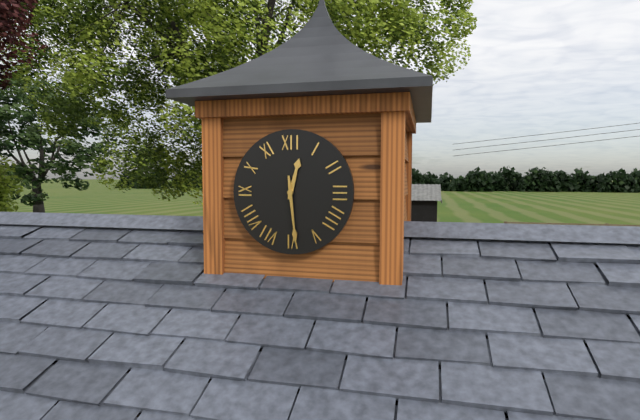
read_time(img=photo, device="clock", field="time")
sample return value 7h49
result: 12h29
